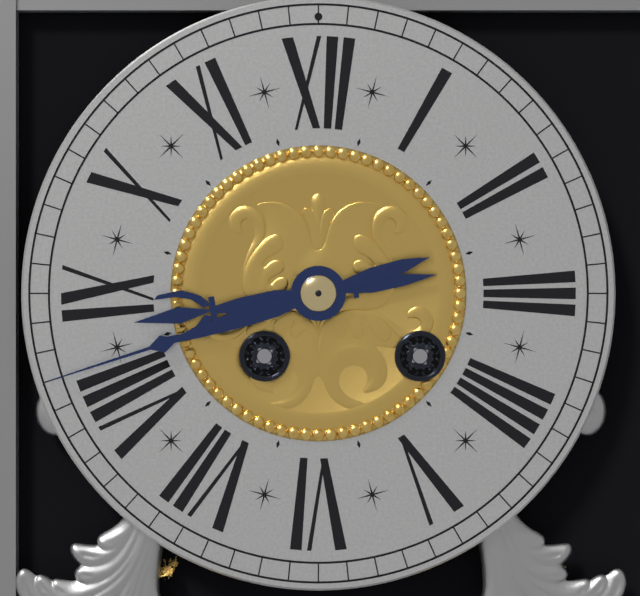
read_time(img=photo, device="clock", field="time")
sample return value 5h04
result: 8h42
